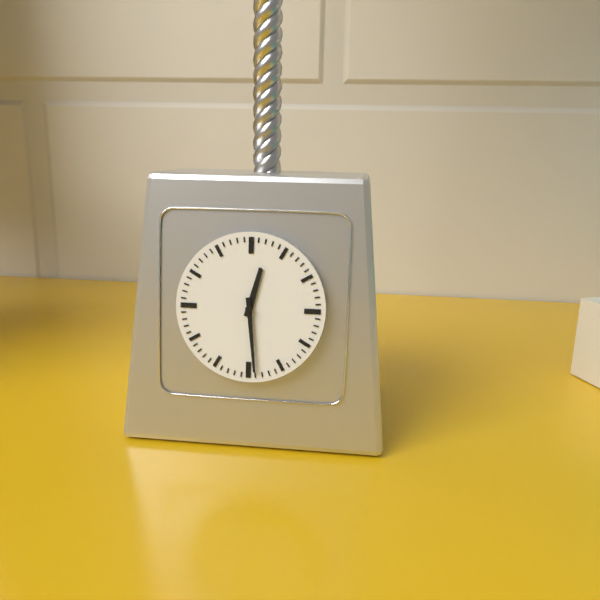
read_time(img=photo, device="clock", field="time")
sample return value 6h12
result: 12h29
